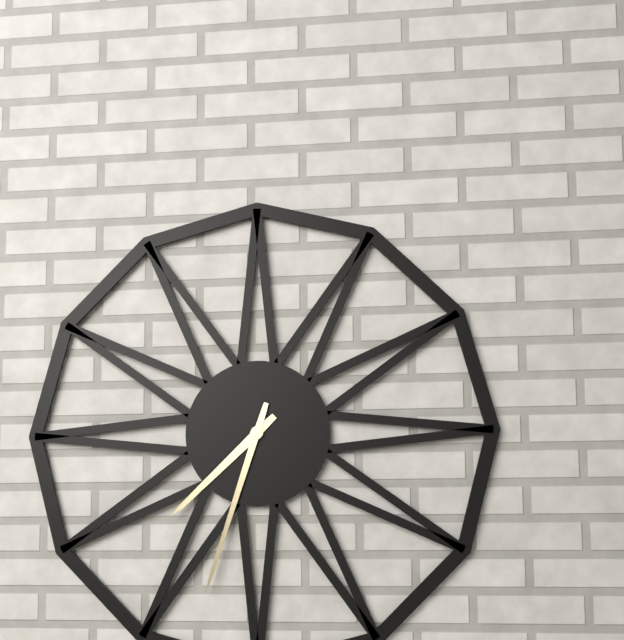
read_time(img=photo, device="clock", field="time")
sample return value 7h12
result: 7h33
